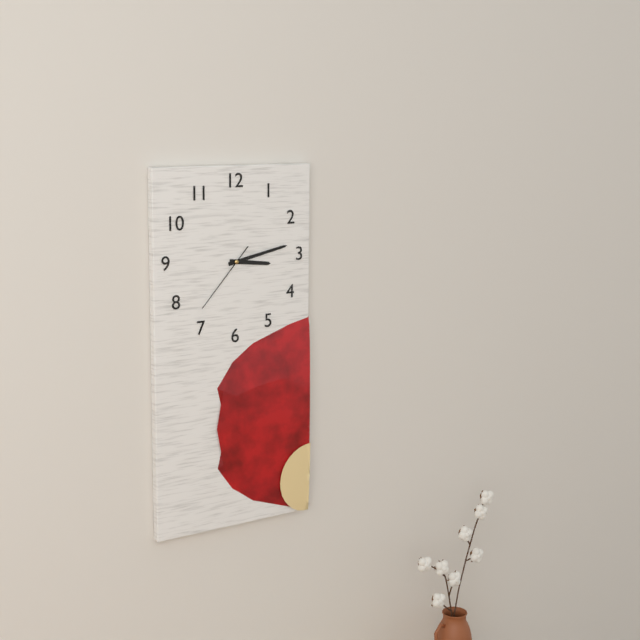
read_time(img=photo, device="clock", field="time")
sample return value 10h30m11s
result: 3h13m37s
